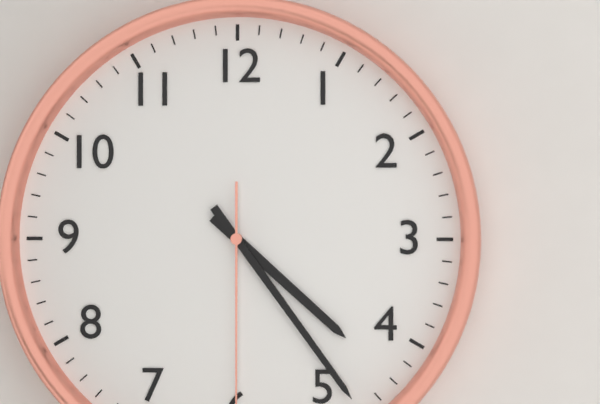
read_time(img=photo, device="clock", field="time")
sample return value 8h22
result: 4h24
